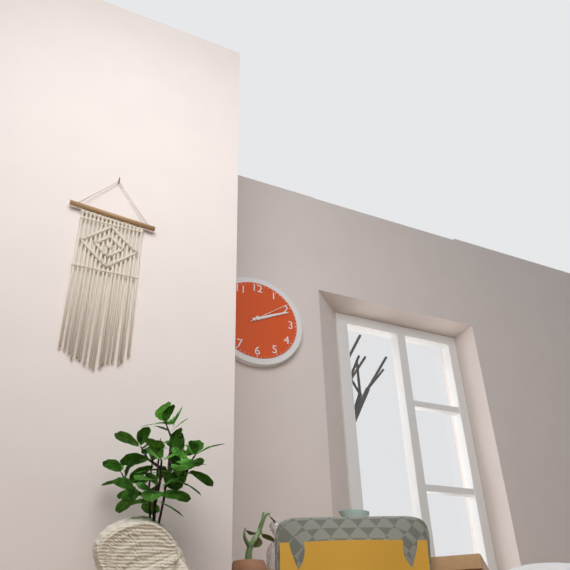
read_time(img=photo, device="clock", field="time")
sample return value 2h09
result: 2h11
